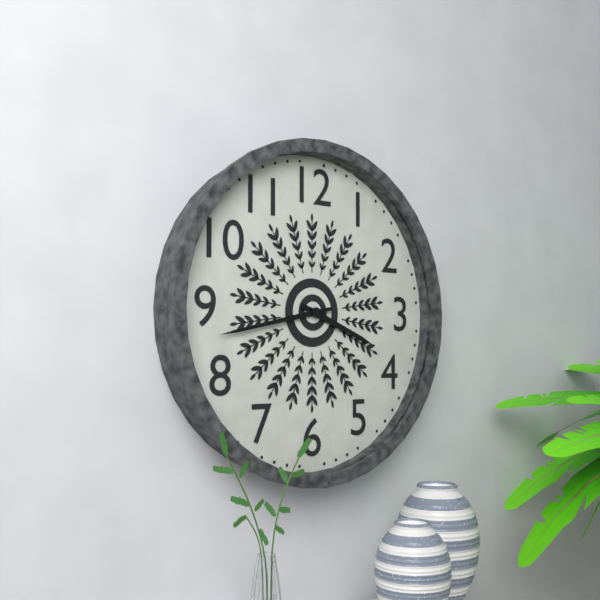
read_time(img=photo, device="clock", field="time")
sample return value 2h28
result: 3h43
